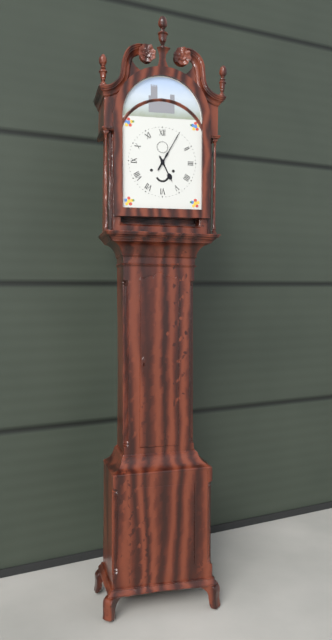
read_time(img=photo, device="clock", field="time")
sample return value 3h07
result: 5h05
